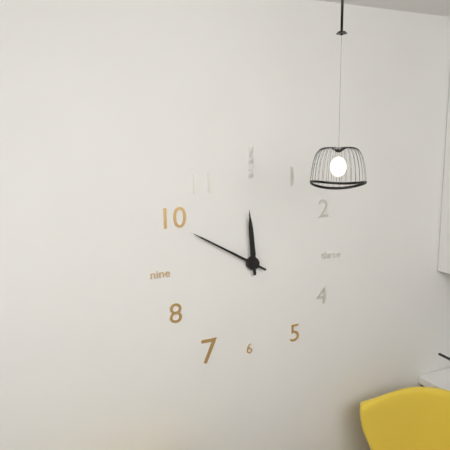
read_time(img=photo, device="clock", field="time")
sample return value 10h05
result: 11h50
